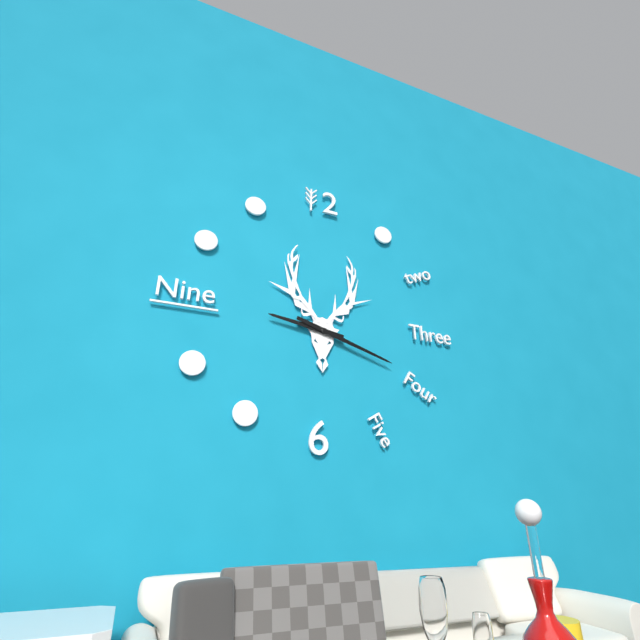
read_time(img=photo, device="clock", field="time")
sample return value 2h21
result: 9h18
